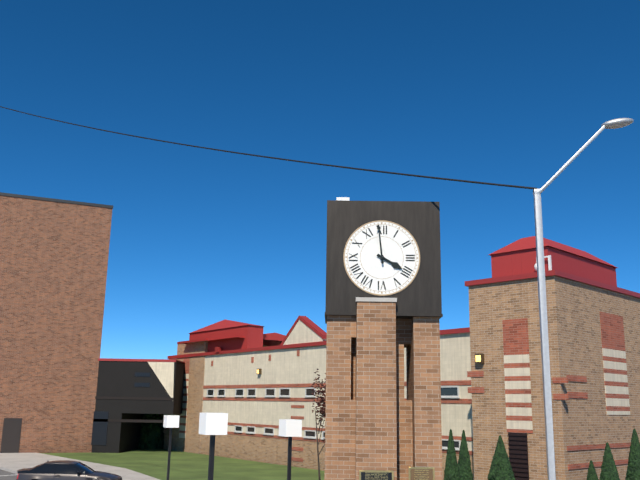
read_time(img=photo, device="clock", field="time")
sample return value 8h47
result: 3h59
